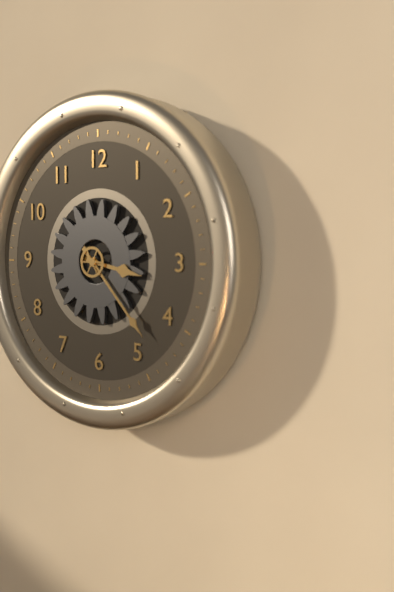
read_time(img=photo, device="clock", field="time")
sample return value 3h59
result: 3h23
